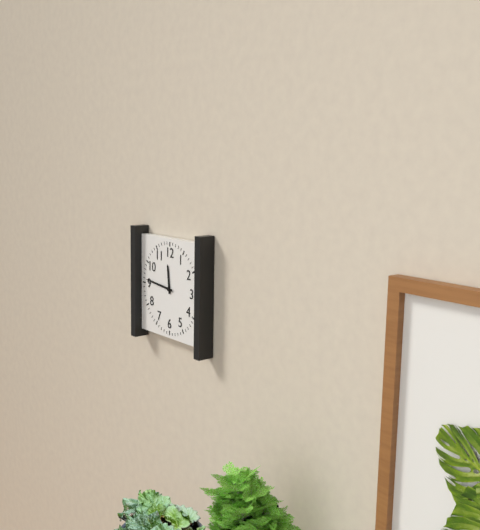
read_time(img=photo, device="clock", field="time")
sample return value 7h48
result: 11h46
